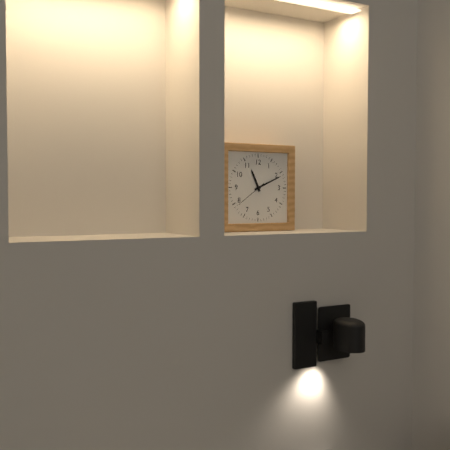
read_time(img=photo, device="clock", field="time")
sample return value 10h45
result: 11h11
